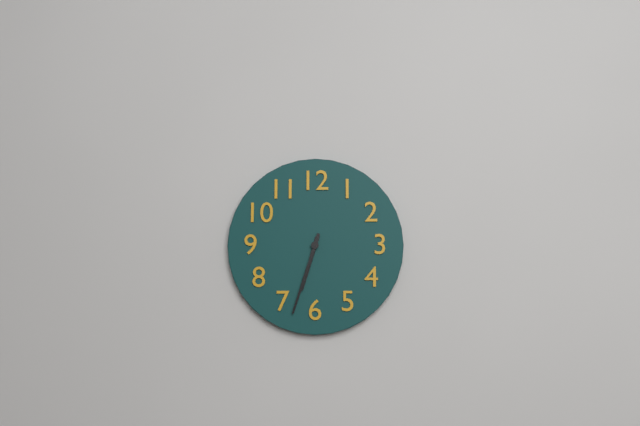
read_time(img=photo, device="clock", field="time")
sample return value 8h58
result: 6h33
